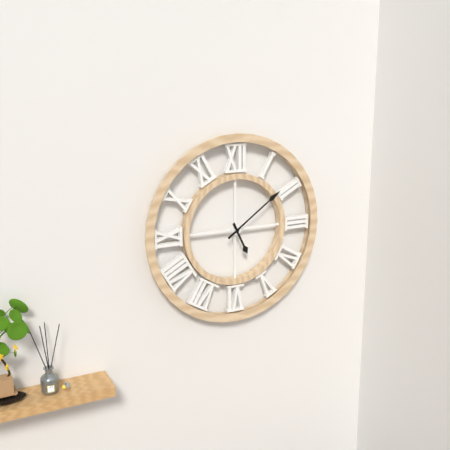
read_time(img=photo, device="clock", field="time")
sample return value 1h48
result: 5h09
